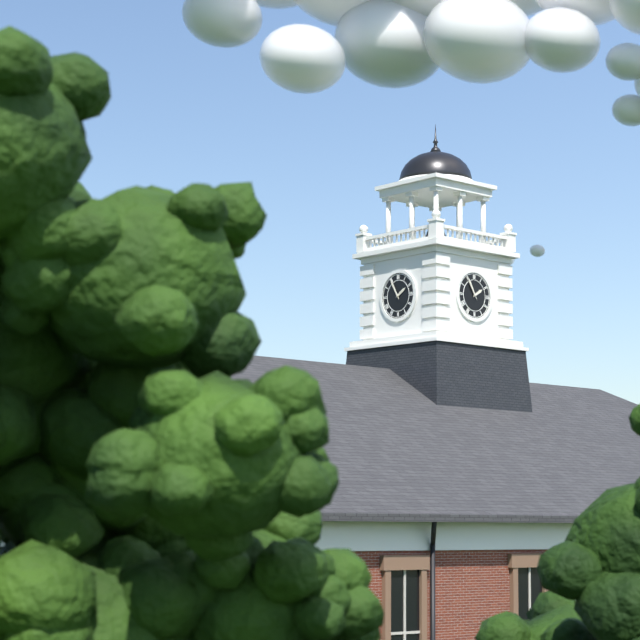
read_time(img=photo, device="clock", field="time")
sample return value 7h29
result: 1h55
